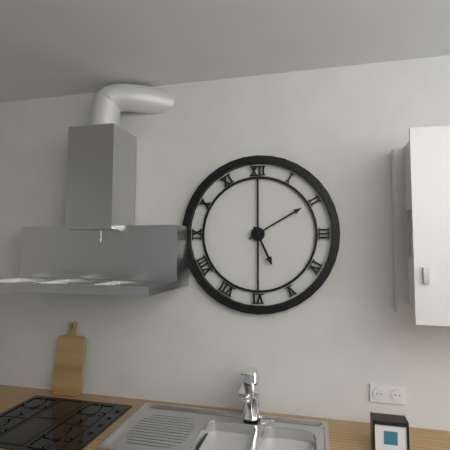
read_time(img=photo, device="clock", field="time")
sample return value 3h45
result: 5h10
